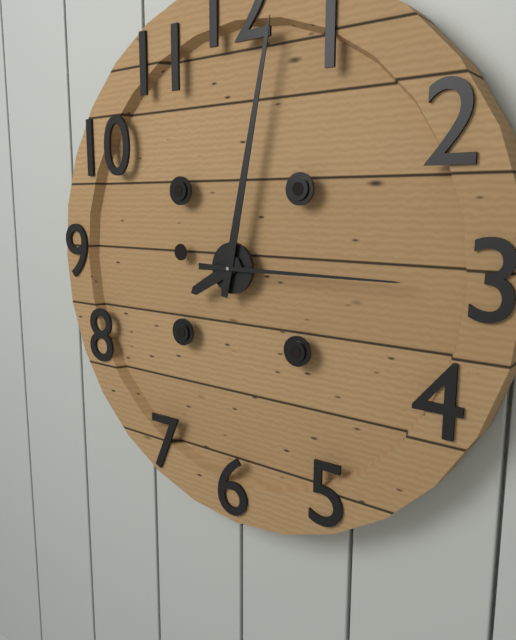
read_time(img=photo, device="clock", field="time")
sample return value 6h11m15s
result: 8h02m15s
